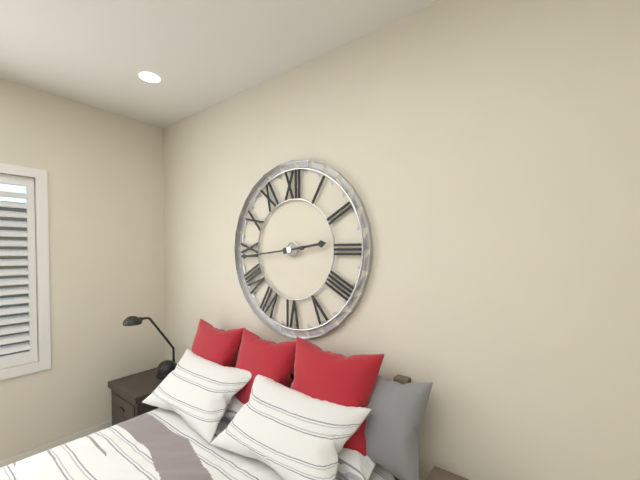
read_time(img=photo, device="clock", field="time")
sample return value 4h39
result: 2h44
